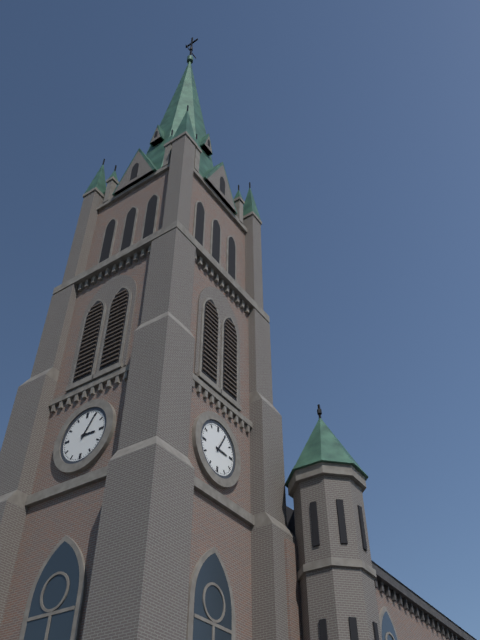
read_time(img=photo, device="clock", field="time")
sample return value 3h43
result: 3h05
